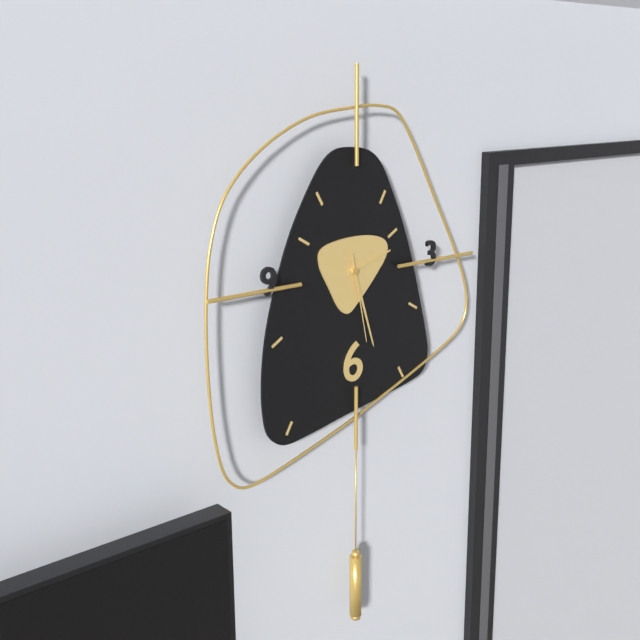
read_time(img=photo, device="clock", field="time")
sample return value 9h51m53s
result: 2h27m28s
